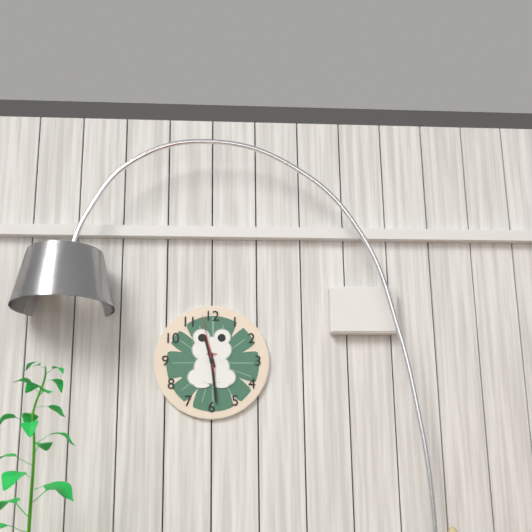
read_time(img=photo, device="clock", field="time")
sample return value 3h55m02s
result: 11h29m58s
